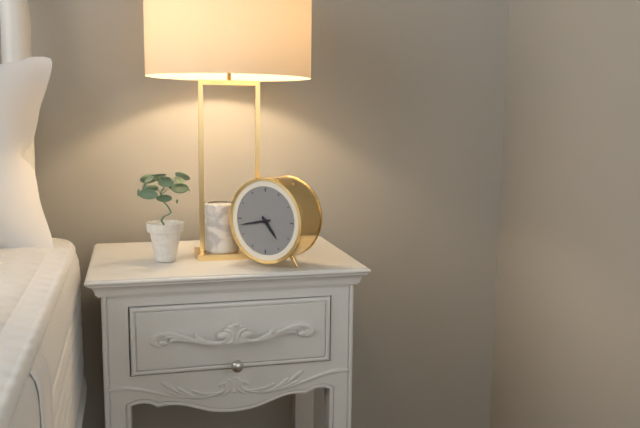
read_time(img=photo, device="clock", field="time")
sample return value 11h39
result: 4h43
